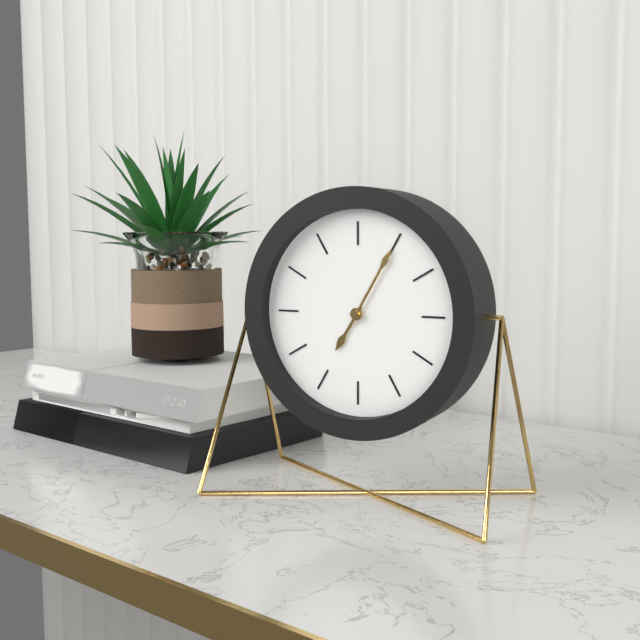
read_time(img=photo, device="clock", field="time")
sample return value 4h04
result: 7h05
